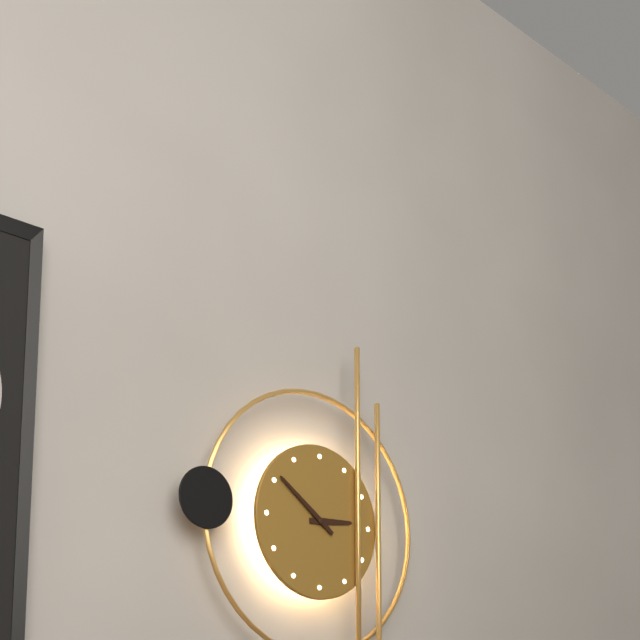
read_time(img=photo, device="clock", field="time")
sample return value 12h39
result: 2h51
